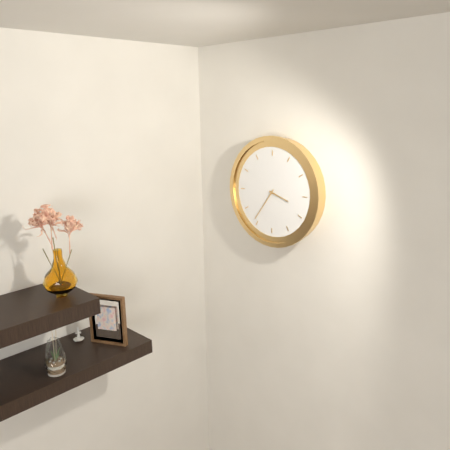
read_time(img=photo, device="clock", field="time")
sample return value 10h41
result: 3h36
